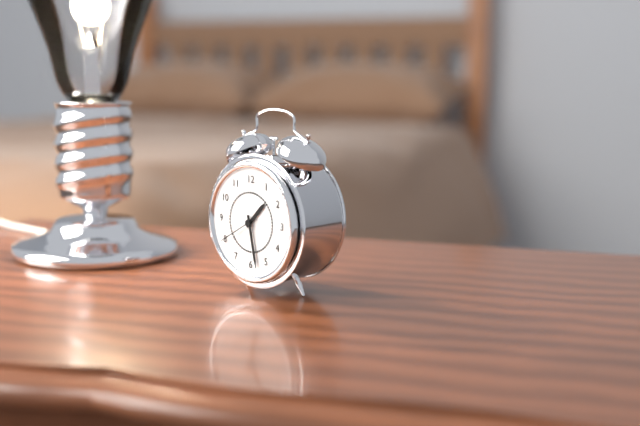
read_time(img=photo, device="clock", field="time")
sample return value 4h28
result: 1h28
